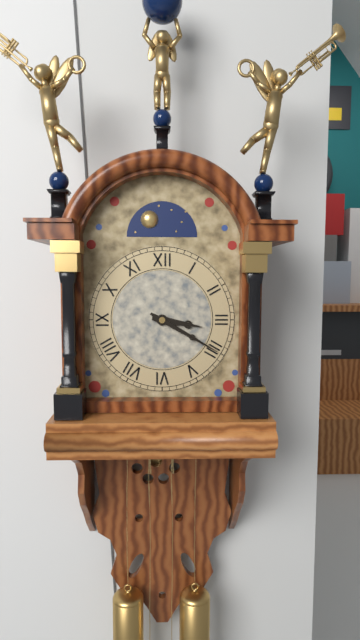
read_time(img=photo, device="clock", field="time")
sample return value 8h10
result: 3h20
